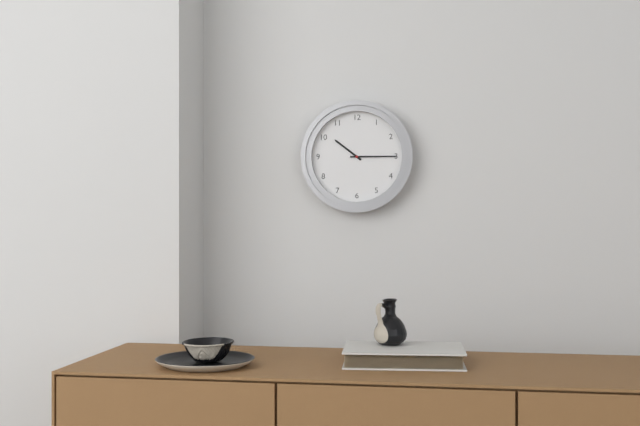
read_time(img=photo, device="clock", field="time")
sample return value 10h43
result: 10h15
